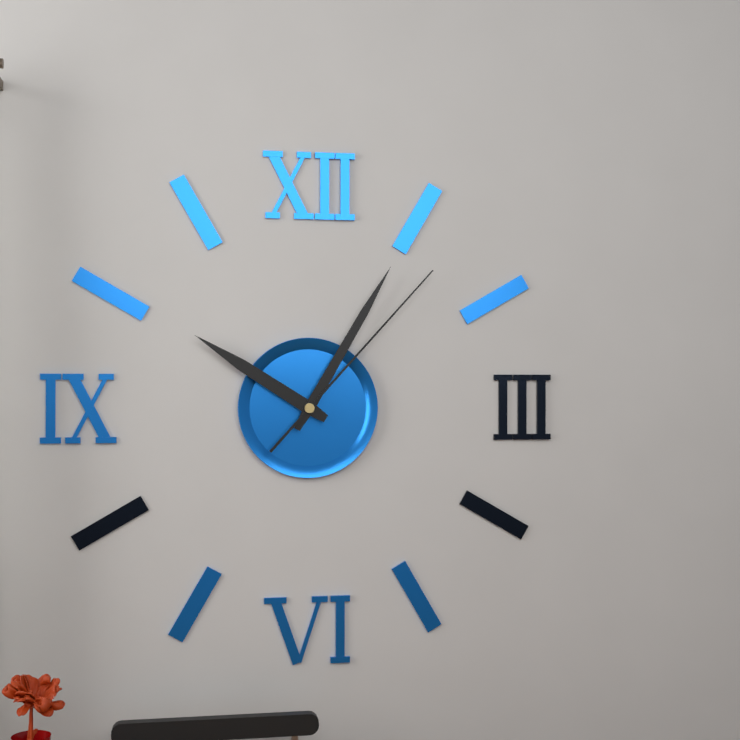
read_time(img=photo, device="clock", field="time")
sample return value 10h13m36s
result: 10h05m07s
